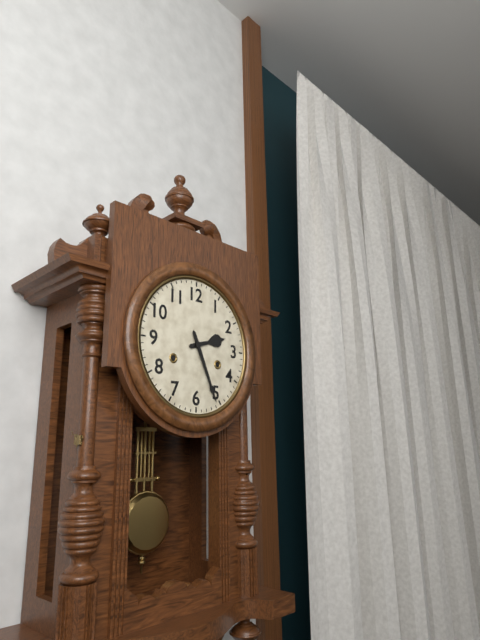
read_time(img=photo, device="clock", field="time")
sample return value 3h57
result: 2h26
